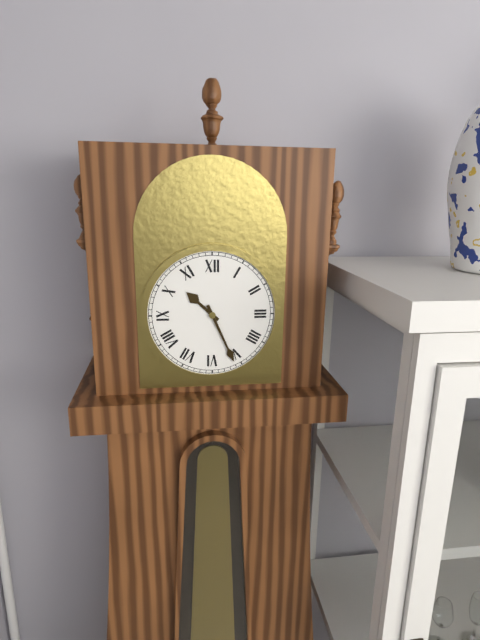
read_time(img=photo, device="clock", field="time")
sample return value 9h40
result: 10h26
